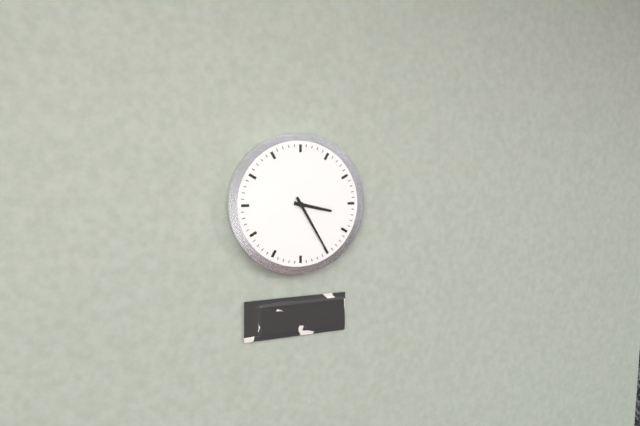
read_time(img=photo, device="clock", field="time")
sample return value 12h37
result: 3h25
